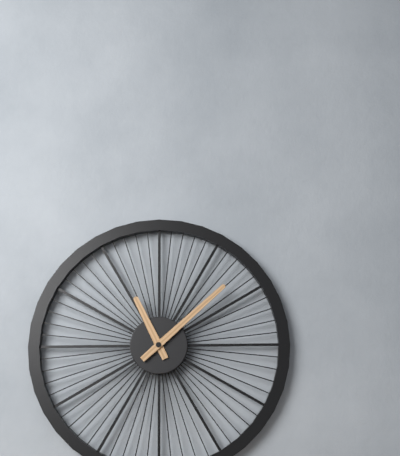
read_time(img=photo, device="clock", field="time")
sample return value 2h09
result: 11h08
